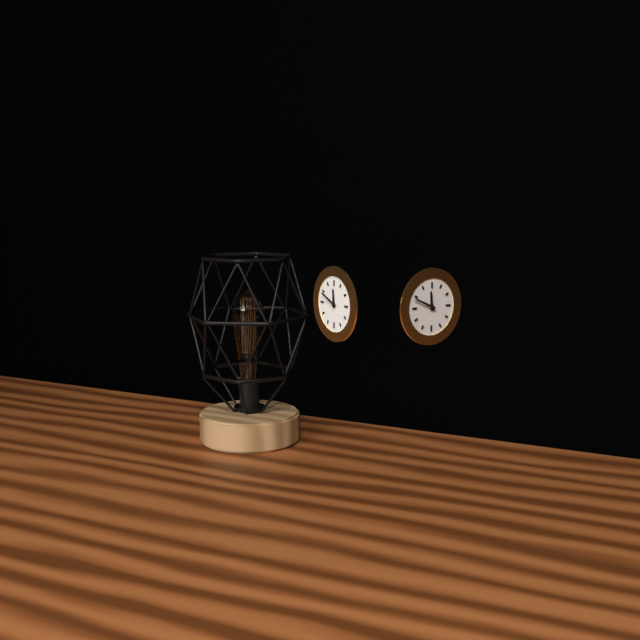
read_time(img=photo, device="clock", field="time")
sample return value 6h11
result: 11h49
